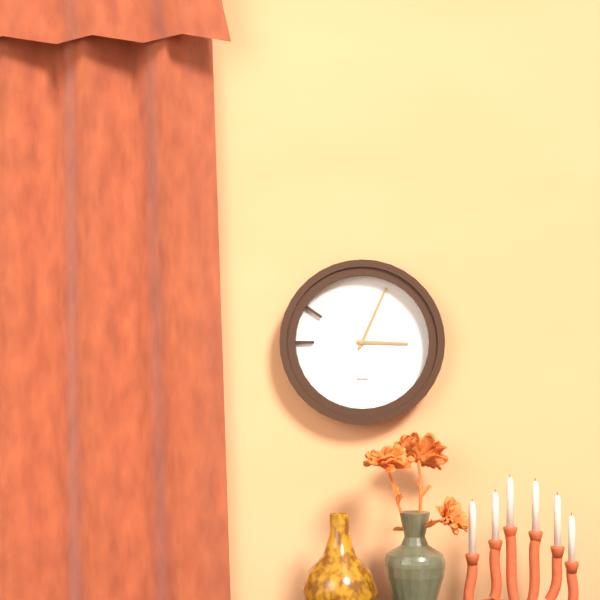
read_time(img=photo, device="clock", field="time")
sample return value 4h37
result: 3h04
